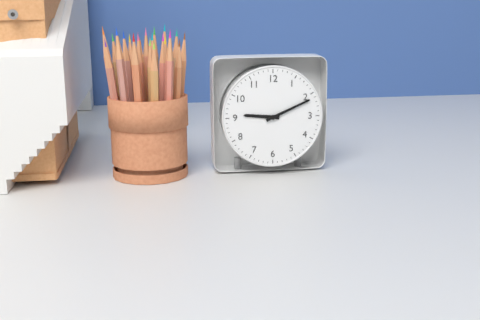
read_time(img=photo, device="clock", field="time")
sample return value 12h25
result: 9h11
